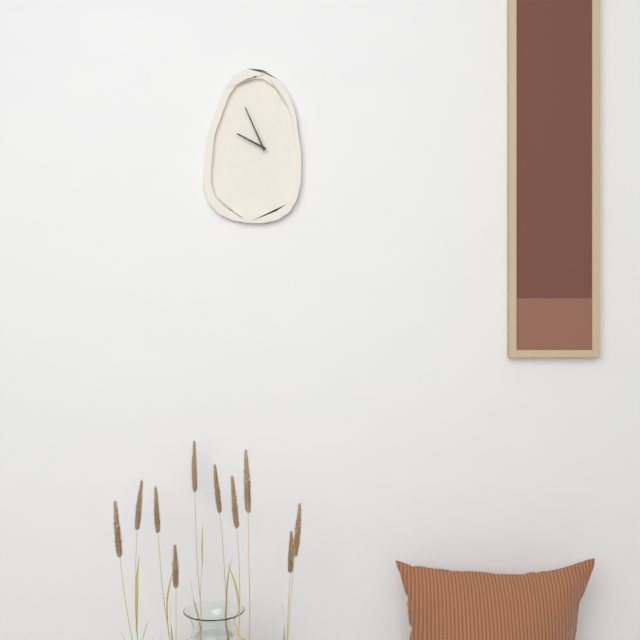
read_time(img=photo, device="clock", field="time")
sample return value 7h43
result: 9h56
